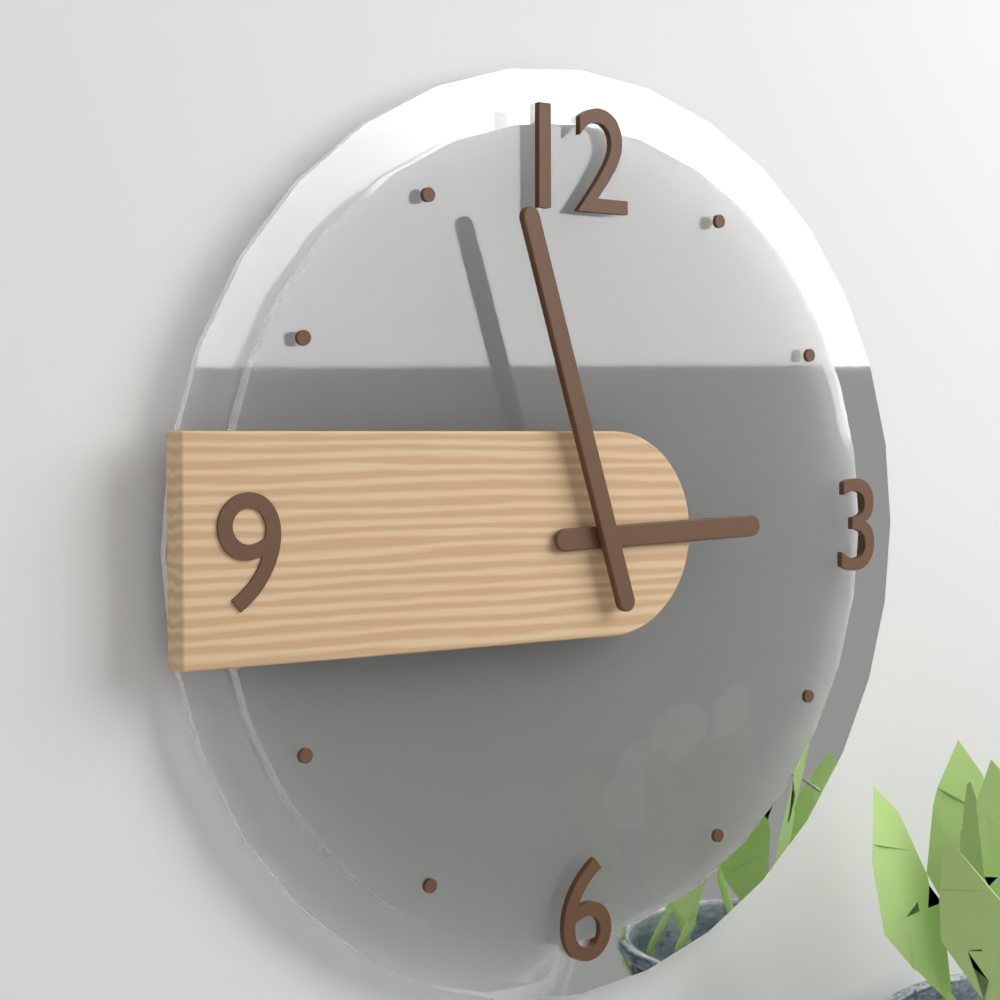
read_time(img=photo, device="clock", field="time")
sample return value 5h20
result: 2h57
